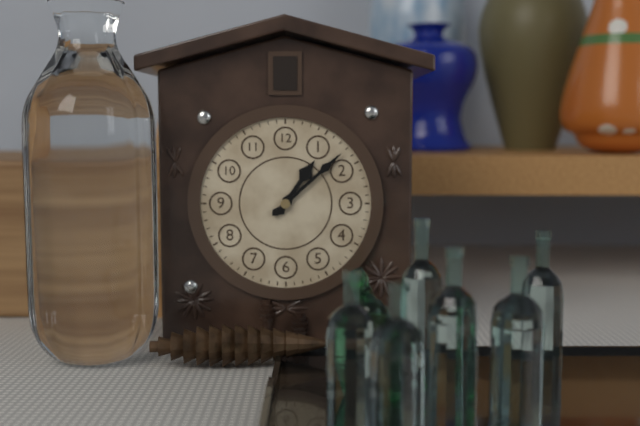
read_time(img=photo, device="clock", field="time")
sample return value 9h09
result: 1h08
